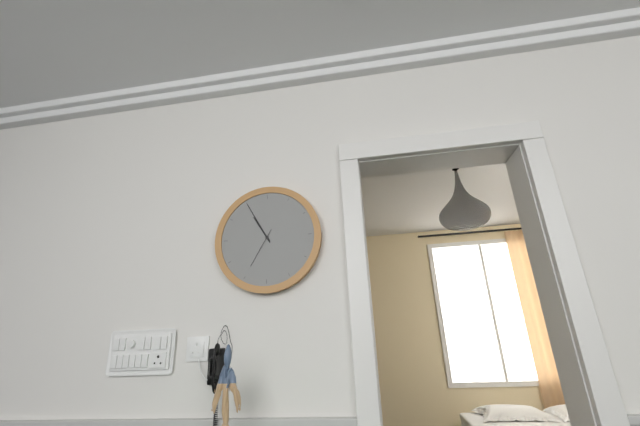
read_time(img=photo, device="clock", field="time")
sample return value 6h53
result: 10h55
